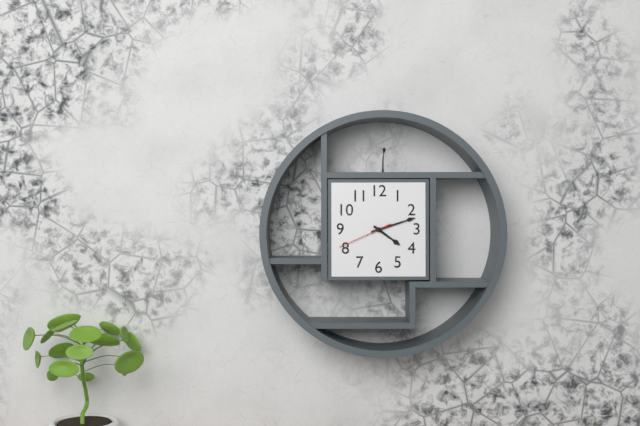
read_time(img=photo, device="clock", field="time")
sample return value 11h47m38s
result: 4h12m41s
